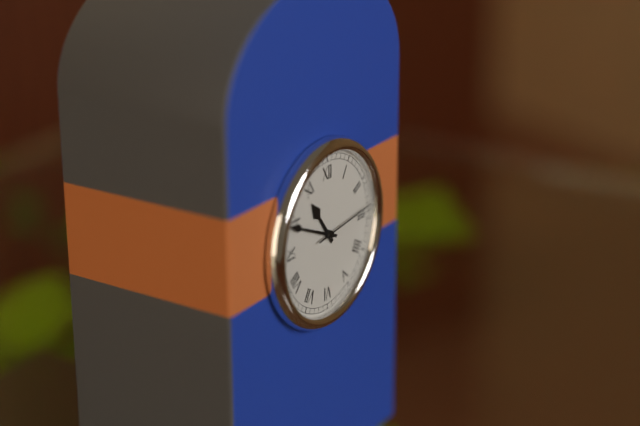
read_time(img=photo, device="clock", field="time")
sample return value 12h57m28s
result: 10h49m14s
